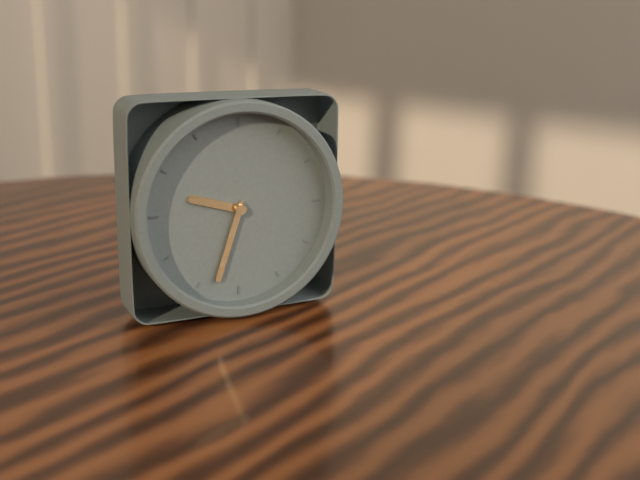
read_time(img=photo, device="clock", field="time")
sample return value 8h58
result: 9h33
